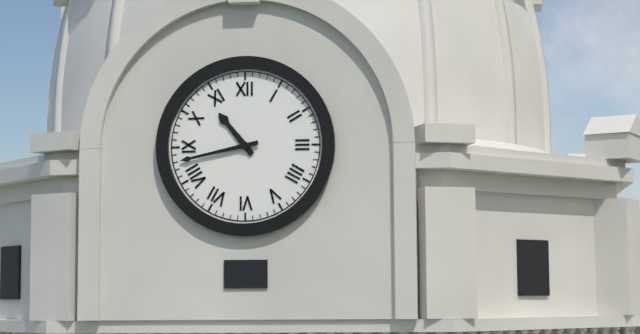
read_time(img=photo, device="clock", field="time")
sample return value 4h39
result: 10h43
